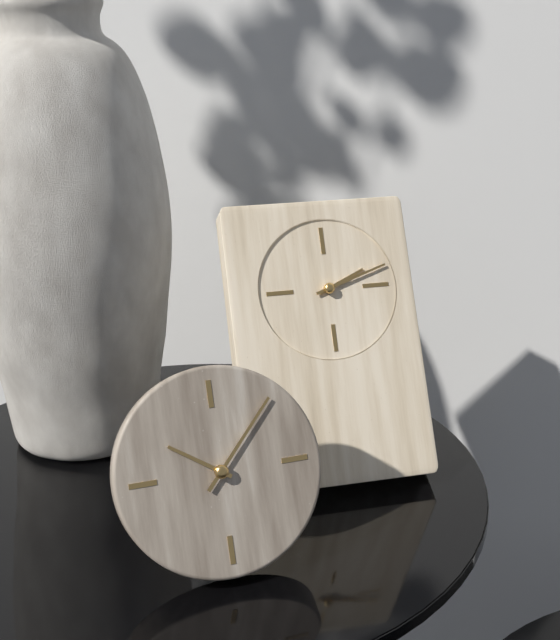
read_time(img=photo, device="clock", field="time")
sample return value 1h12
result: 2h12
